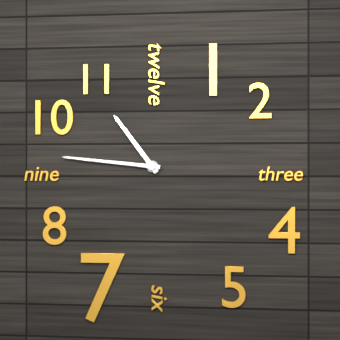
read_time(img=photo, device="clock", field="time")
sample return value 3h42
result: 10h46
